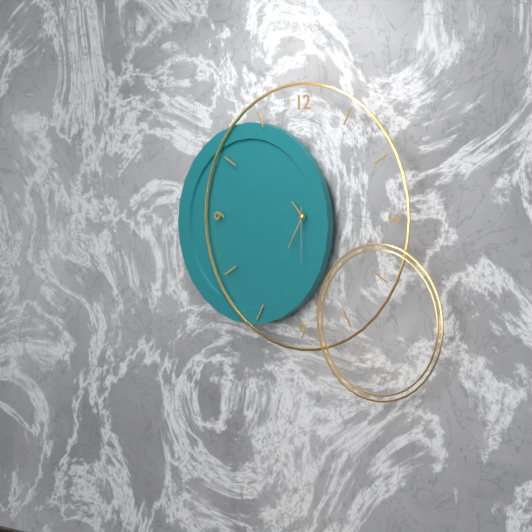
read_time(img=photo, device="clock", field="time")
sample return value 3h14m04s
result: 10h35m30s
